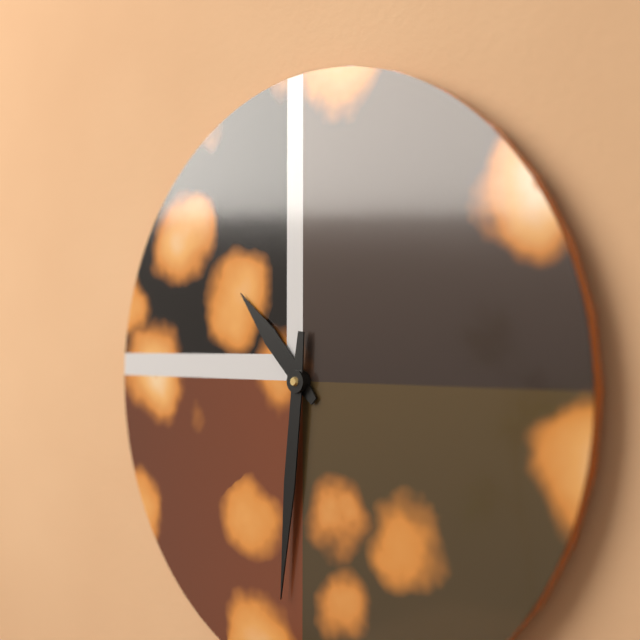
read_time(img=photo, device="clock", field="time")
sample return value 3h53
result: 10h31
